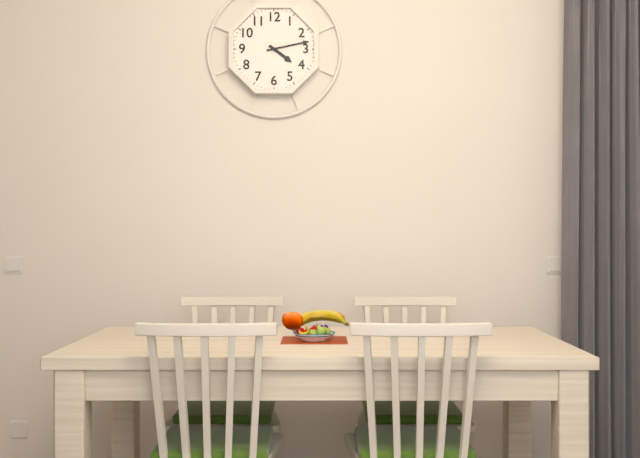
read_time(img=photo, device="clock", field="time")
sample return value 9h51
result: 4h13
